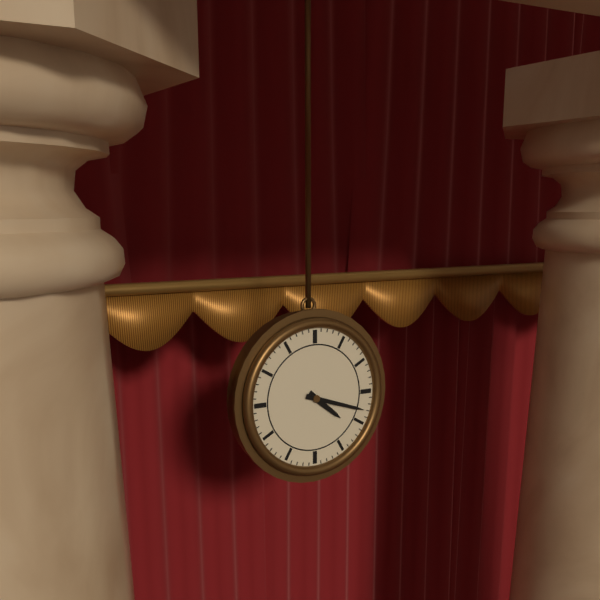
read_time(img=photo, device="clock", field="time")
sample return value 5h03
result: 4h18
